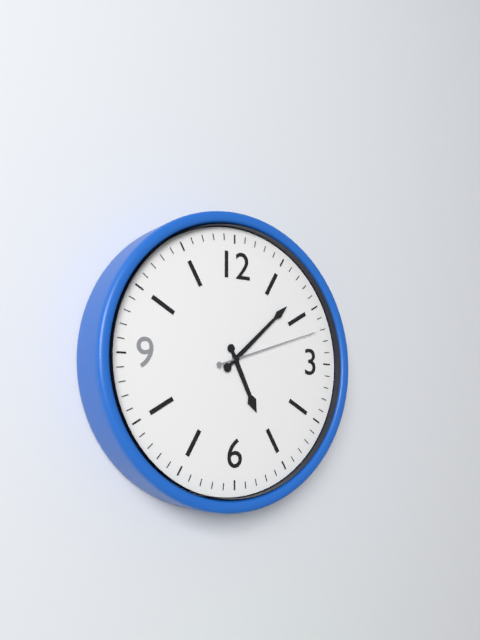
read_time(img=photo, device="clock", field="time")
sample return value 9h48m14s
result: 5h08m12s
